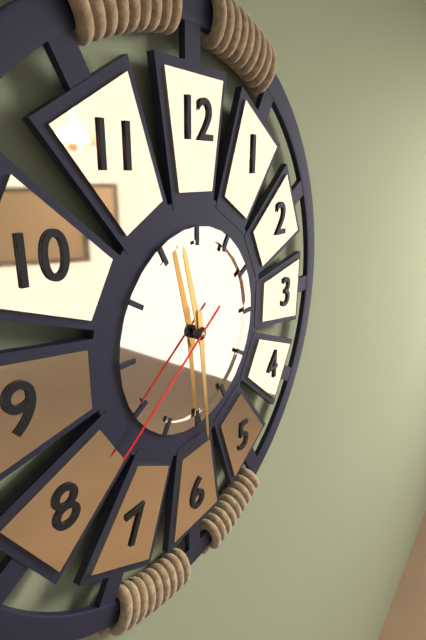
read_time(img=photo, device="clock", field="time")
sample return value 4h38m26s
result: 11h29m39s
